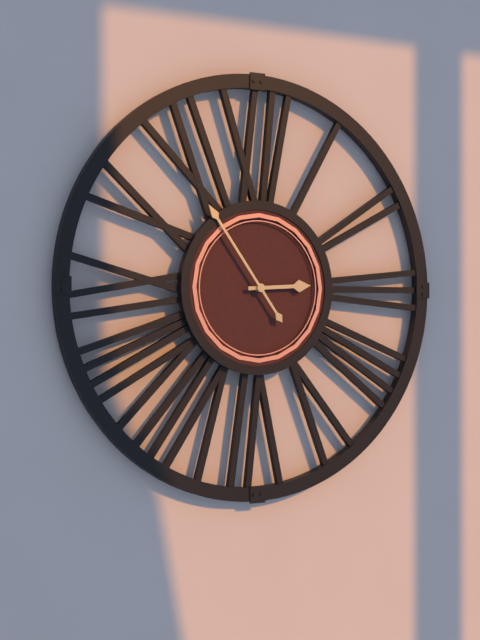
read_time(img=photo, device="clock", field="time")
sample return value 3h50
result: 2h54
